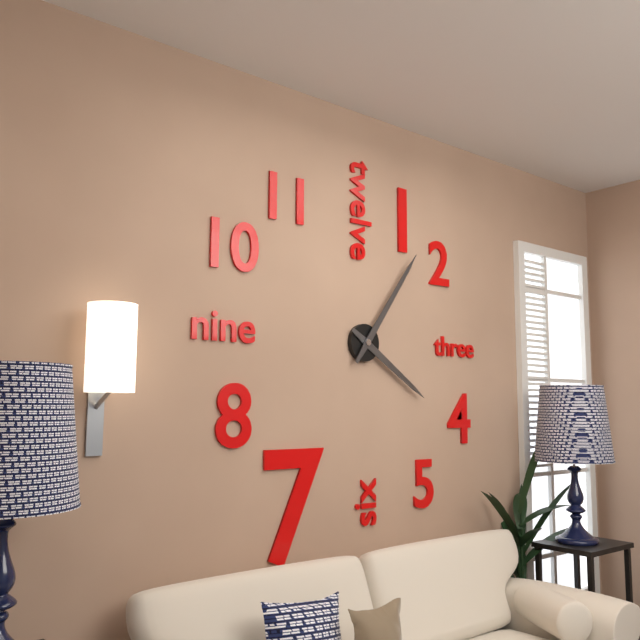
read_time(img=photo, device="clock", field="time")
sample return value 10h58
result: 4h06
